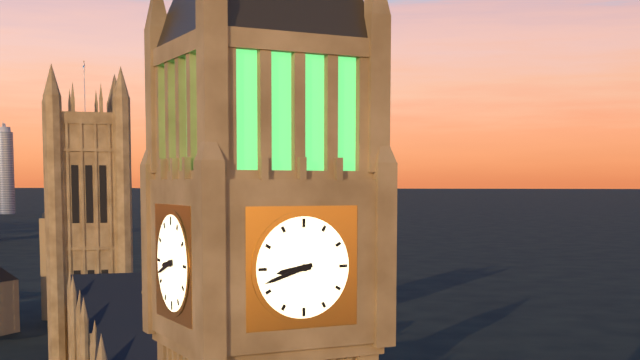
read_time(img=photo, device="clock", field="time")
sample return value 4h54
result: 8h42
